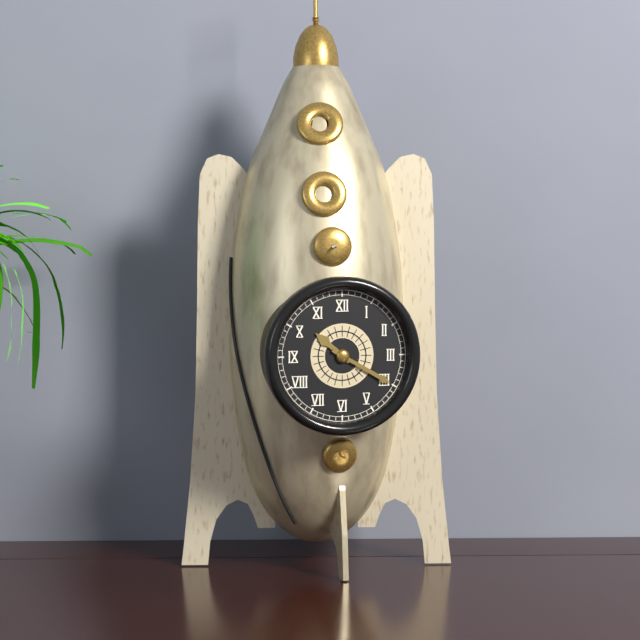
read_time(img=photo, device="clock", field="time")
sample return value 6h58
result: 10h20
